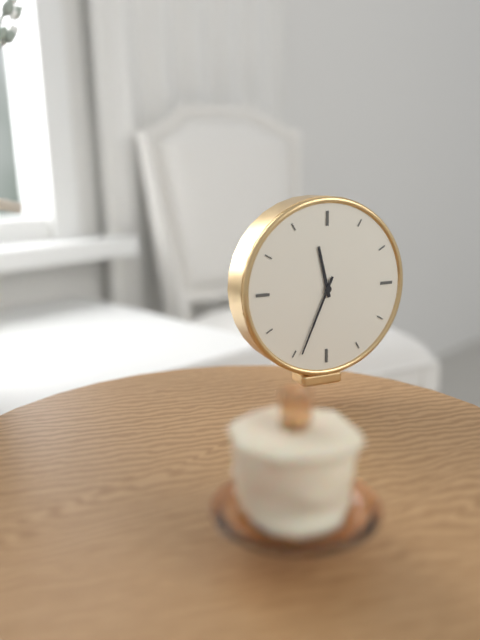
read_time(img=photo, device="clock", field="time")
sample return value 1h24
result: 11h34
